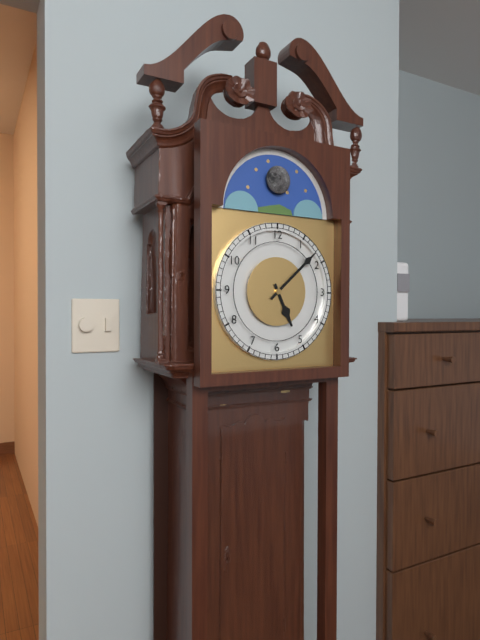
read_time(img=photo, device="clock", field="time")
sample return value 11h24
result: 5h08
